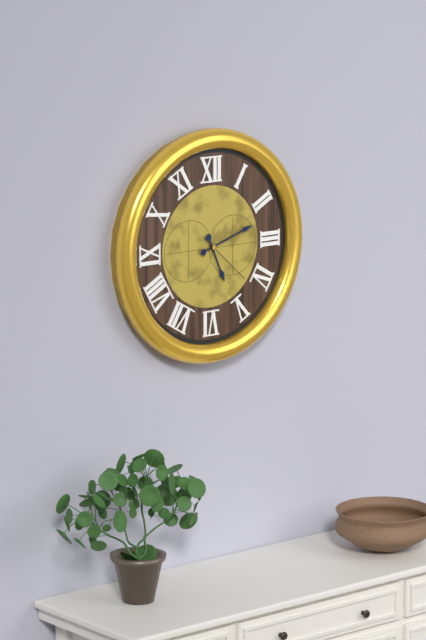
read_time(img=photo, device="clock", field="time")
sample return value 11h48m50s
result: 5h12m22s
